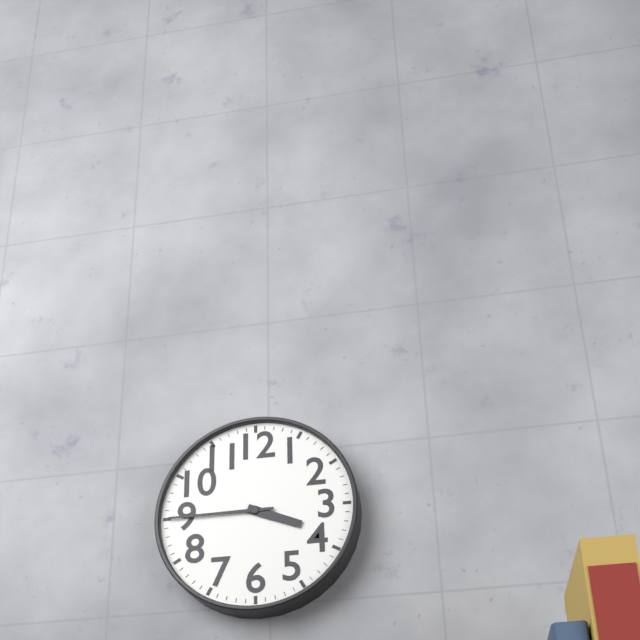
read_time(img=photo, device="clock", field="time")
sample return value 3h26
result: 3h45
